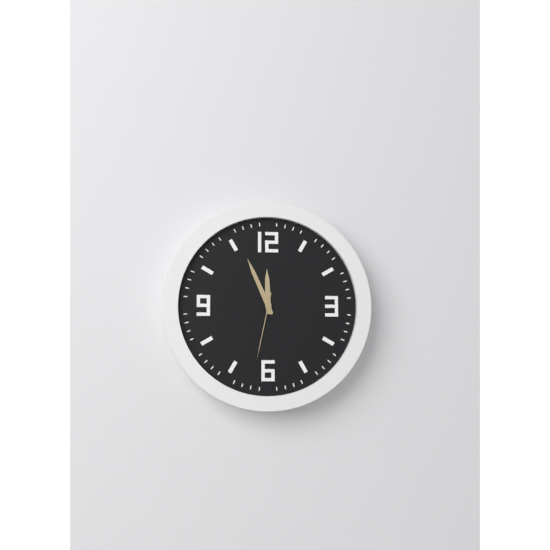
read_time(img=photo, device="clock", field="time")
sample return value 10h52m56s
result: 11h56m32s
